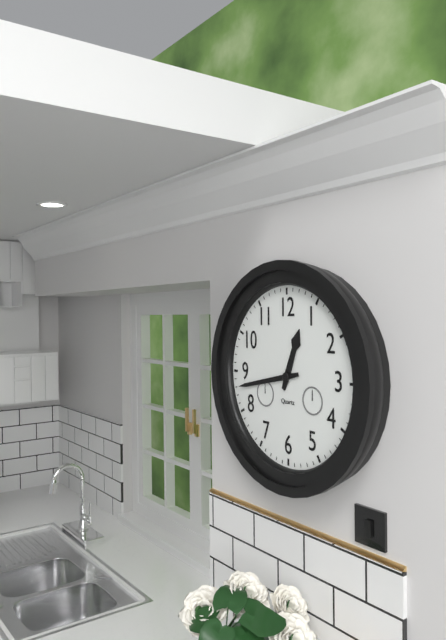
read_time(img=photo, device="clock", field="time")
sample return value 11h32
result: 12h43
